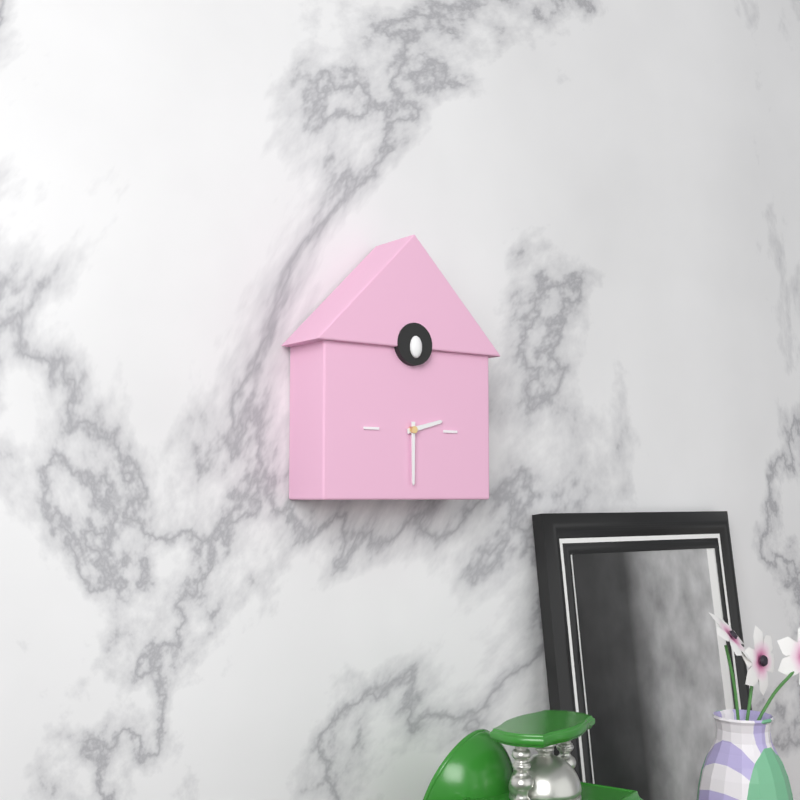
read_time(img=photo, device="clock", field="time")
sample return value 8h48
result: 2h30
